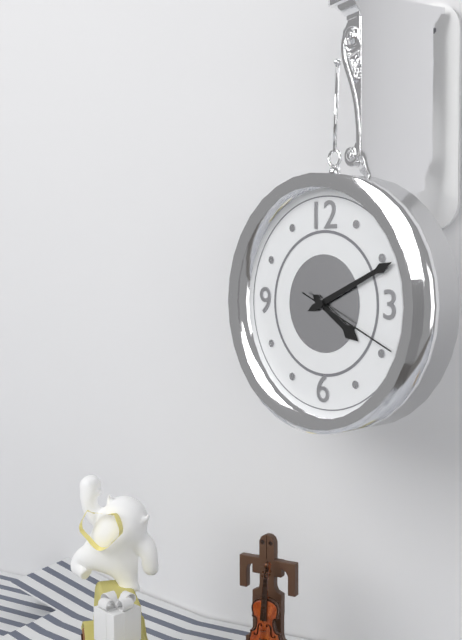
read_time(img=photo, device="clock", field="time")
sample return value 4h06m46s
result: 4h11m19s
